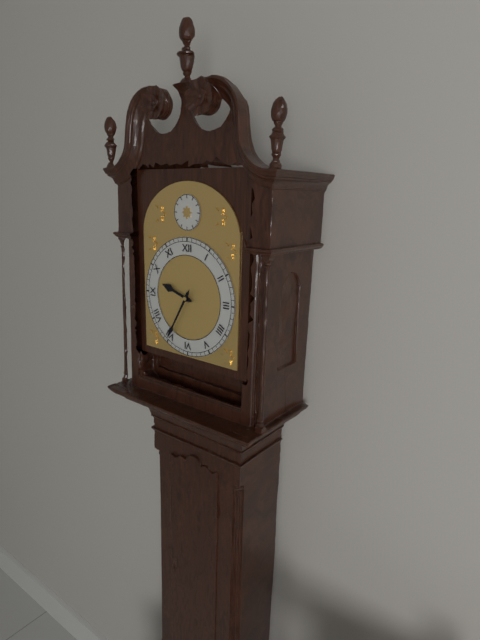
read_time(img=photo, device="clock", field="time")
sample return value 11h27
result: 9h35
